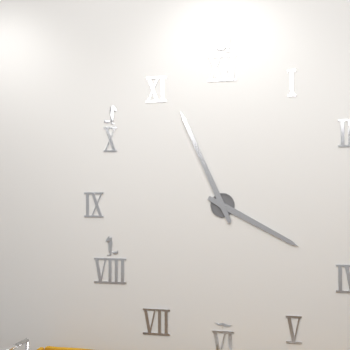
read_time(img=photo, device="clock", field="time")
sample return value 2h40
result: 3h56
